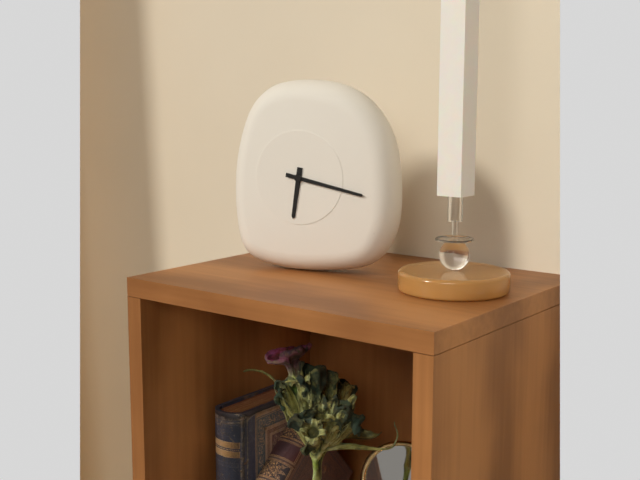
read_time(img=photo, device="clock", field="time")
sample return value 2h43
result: 6h17
